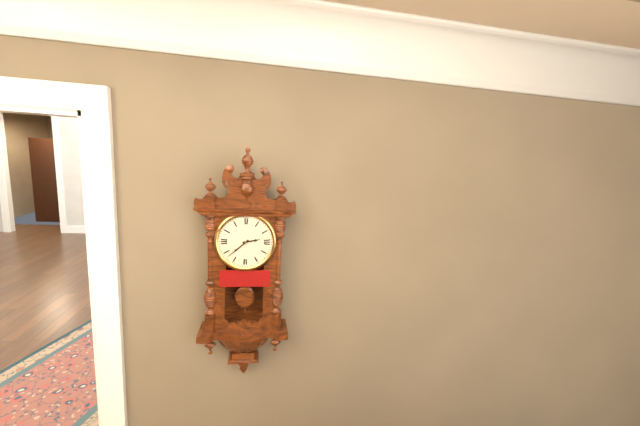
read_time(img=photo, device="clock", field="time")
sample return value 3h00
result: 2h38
